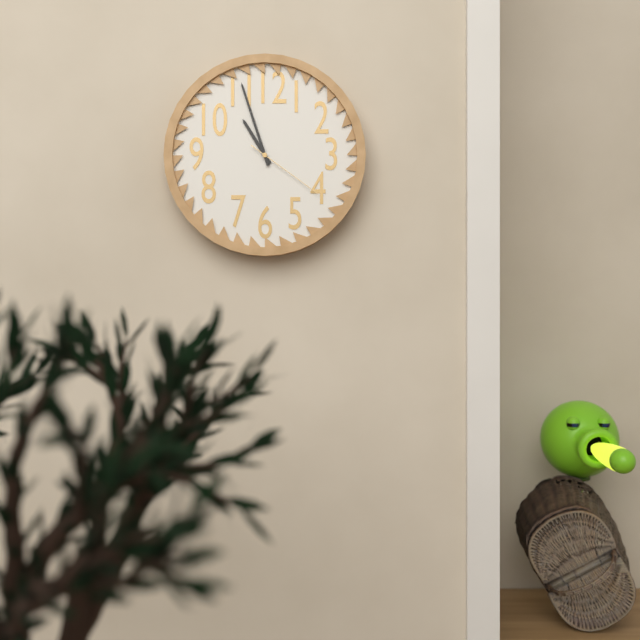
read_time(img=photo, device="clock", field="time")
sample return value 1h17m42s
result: 10h57m21s
